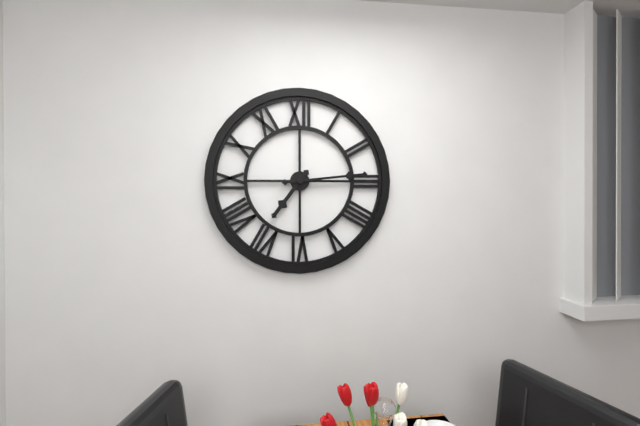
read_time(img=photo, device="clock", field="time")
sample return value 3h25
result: 7h14
